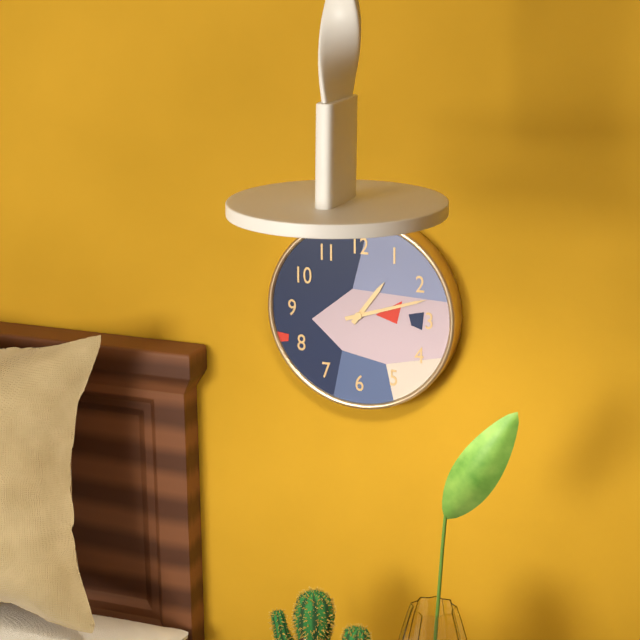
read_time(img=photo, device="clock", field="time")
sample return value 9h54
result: 1h12
